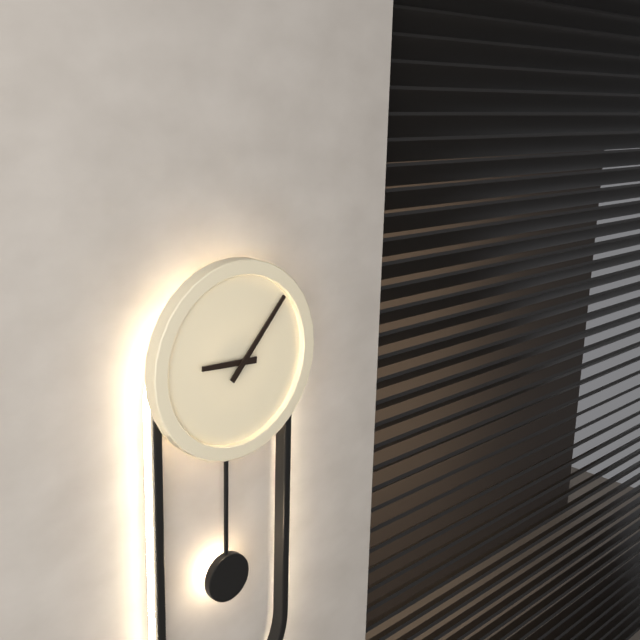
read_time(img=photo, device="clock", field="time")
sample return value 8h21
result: 9h07
